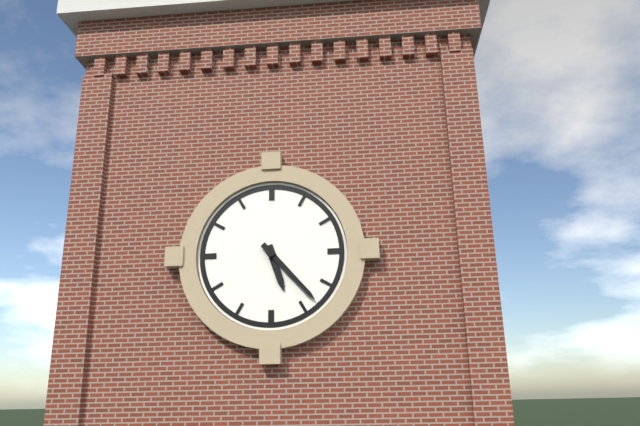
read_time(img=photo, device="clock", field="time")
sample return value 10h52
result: 5h23
